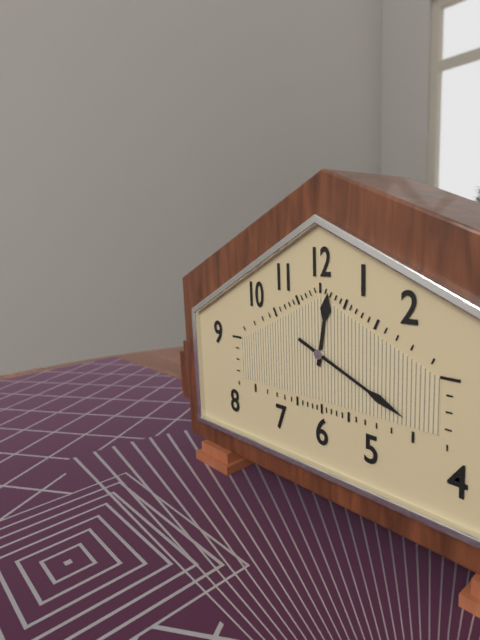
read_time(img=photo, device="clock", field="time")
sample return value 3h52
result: 12h19
